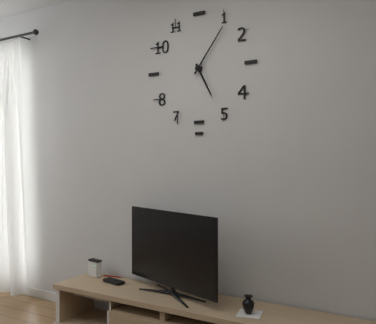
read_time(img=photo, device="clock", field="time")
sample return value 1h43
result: 5h06
